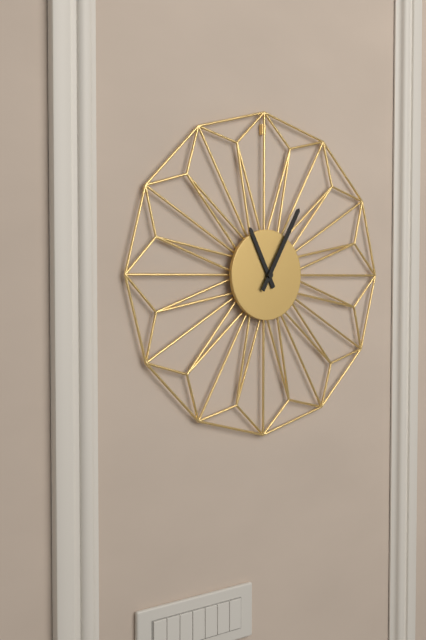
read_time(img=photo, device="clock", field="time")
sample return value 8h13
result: 11h05
